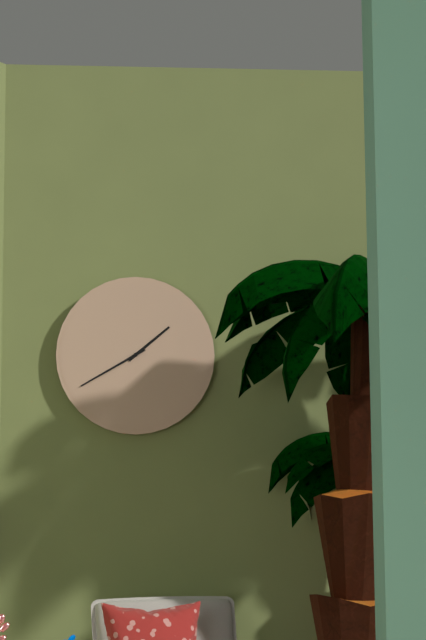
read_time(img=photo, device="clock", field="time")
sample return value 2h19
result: 1h40
